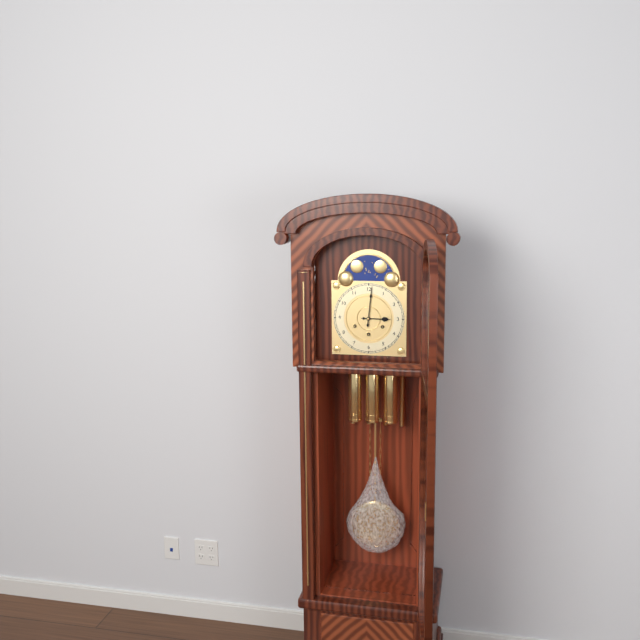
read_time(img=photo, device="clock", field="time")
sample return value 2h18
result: 3h01
